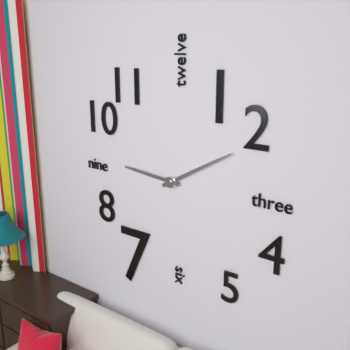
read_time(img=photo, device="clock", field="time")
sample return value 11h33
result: 9h10
